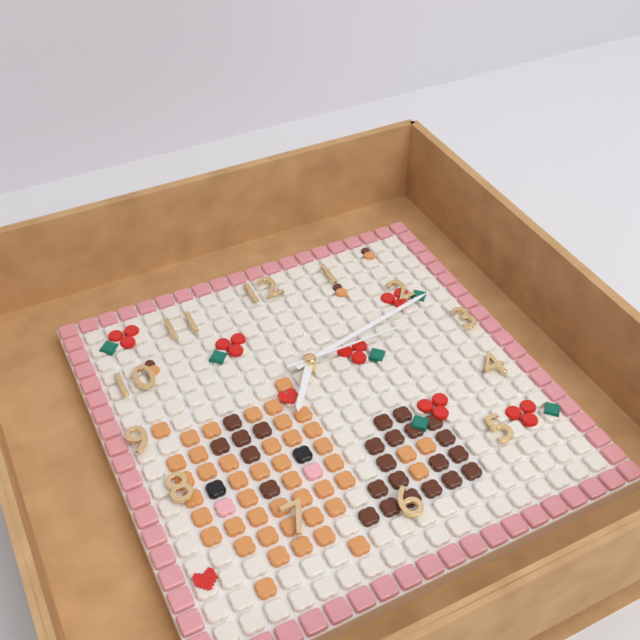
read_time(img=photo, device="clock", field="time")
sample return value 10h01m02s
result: 7h13m15s
